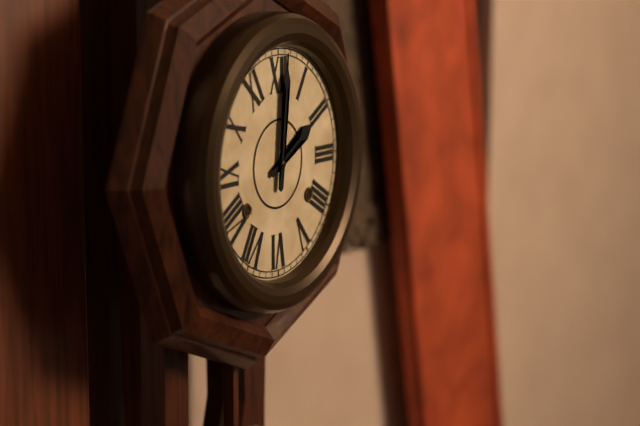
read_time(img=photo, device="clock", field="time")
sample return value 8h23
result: 2h01
